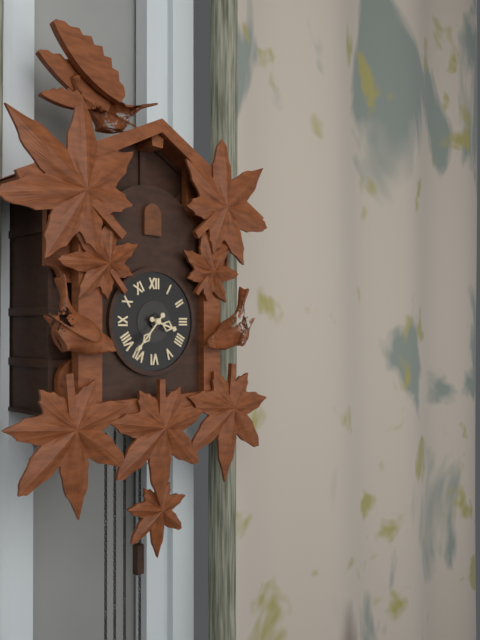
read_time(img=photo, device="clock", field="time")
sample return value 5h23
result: 3h37
